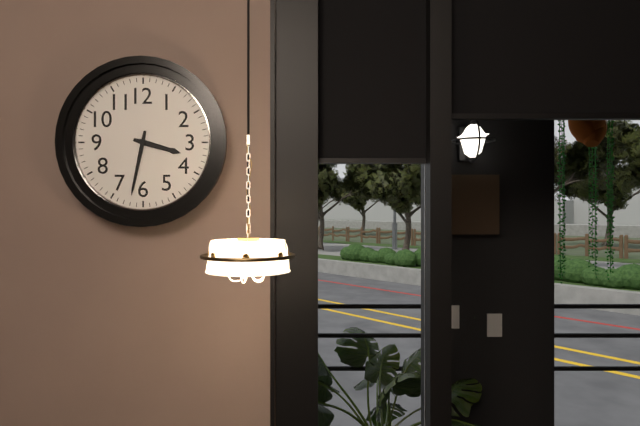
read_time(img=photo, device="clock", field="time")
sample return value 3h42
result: 3h32
